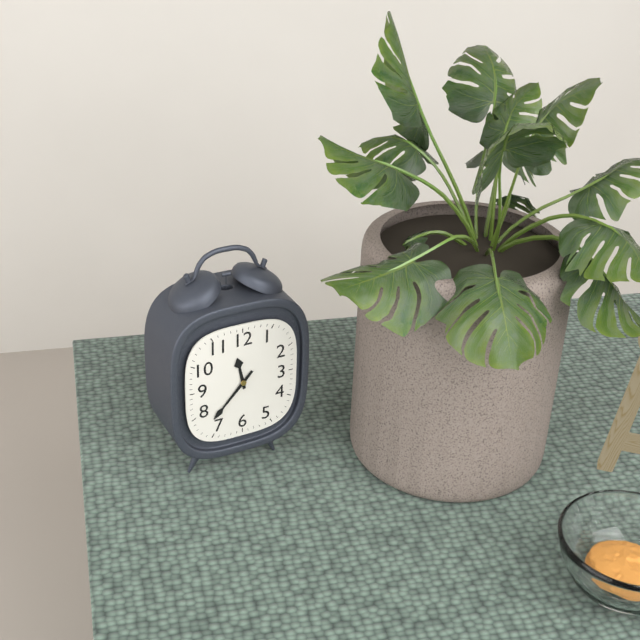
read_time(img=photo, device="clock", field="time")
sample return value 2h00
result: 11h37
